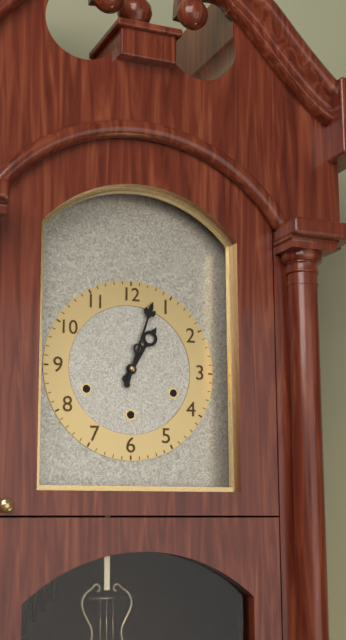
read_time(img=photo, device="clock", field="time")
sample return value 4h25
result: 1h03
